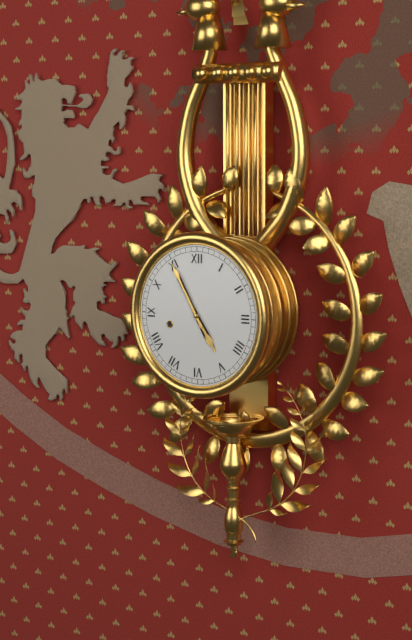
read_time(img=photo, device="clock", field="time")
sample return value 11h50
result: 4h55
